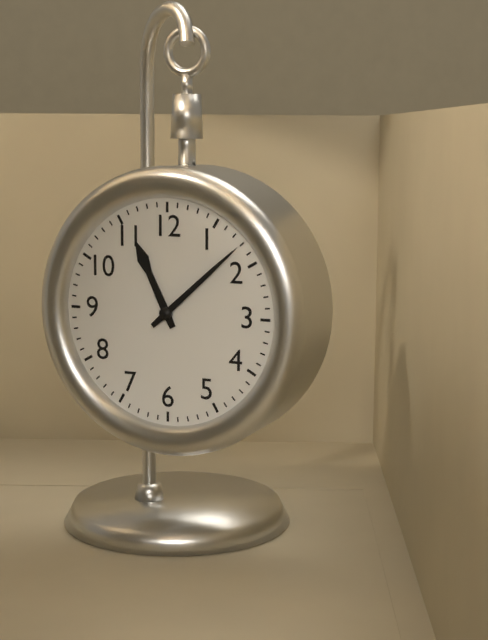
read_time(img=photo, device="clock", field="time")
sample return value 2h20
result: 11h08
